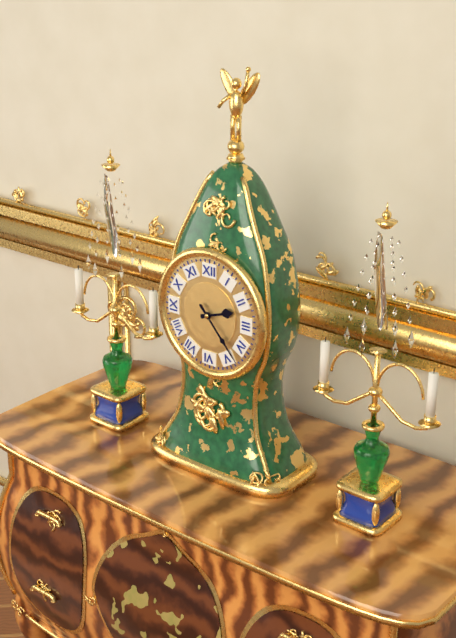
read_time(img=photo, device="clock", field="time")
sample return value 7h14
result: 2h23
